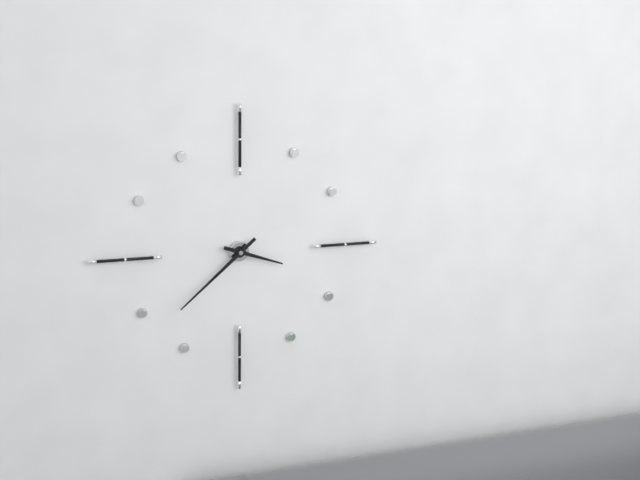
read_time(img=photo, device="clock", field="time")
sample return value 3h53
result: 3h38
